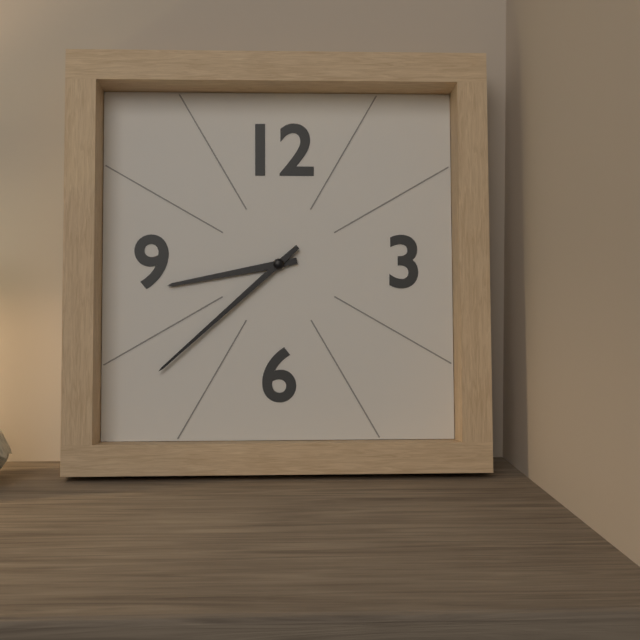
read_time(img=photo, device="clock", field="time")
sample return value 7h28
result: 8h38
